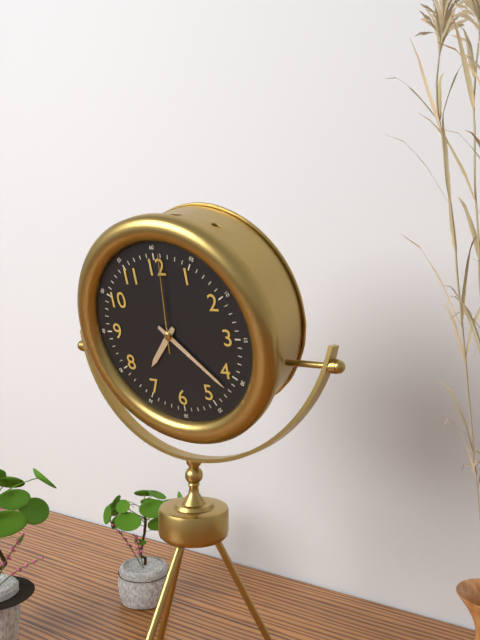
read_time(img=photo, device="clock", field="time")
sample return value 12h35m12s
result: 7h22m01s
